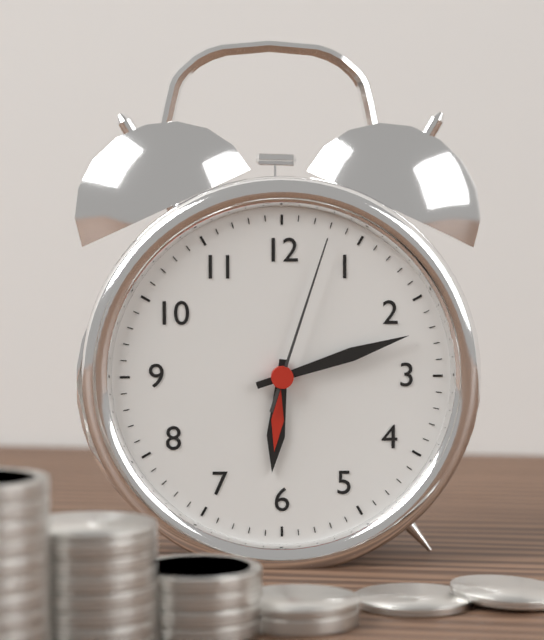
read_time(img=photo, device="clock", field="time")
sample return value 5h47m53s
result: 6h12m03s
